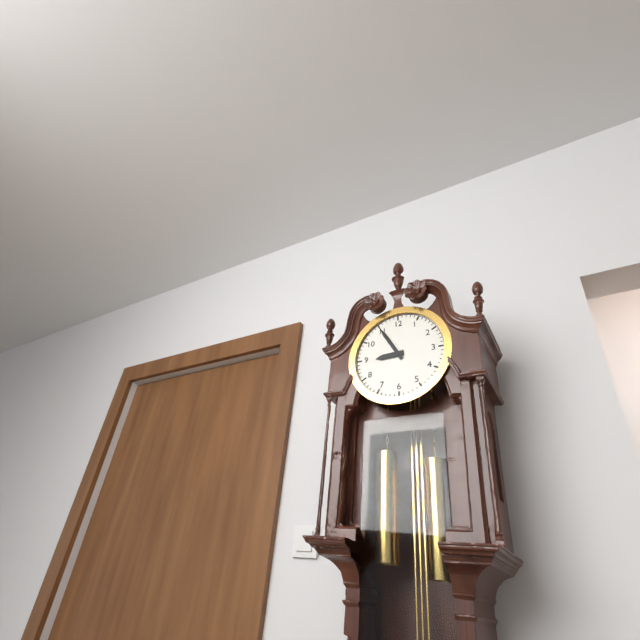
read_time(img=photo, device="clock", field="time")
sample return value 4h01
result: 8h55
